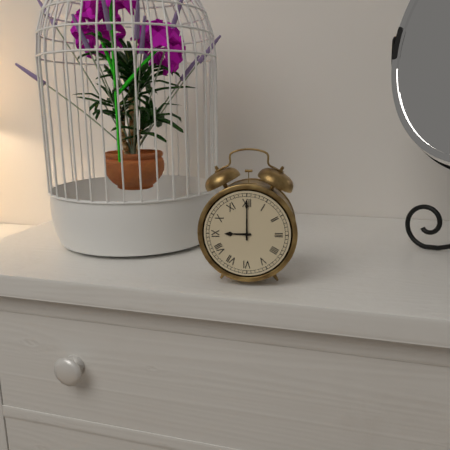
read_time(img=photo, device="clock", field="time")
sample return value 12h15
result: 9h00
